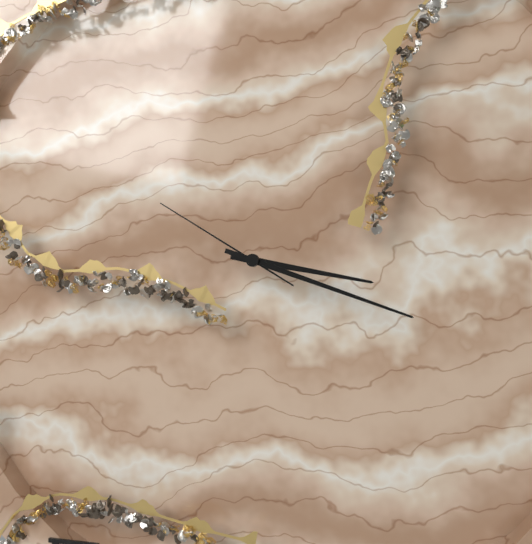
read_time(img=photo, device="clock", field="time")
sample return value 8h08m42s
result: 3h18m50s
